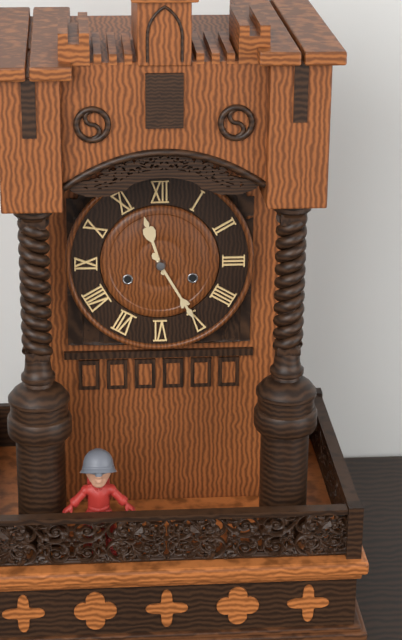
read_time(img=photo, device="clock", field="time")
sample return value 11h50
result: 11h25
